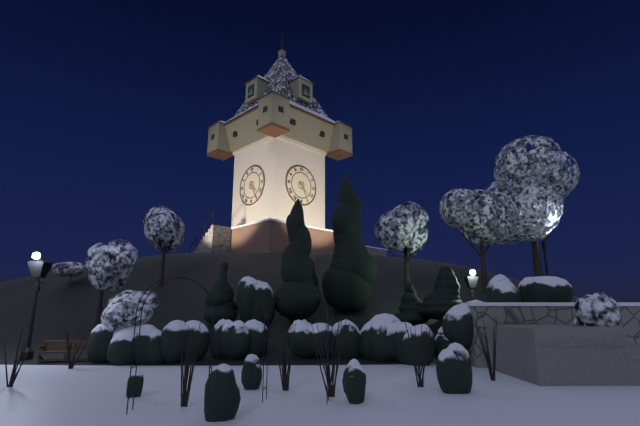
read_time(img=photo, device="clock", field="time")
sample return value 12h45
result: 4h25
